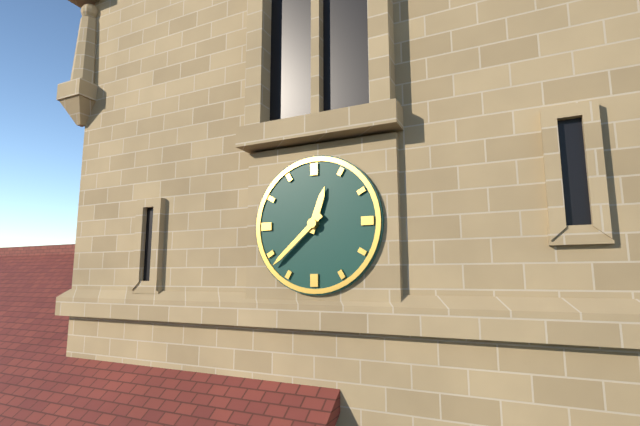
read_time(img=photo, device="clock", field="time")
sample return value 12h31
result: 12h38
